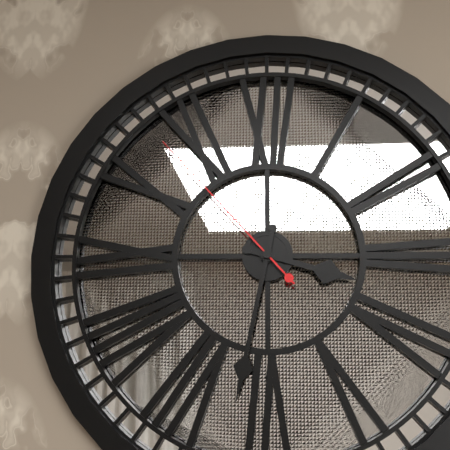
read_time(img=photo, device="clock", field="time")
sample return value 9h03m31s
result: 3h32m53s
